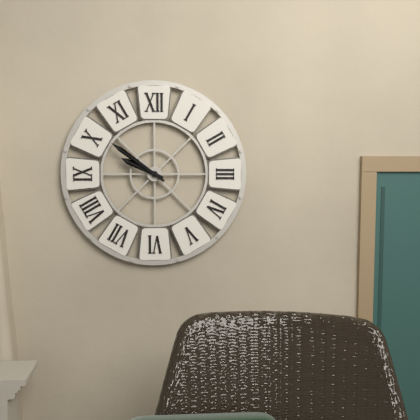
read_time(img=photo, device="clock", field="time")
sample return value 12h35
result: 9h51
